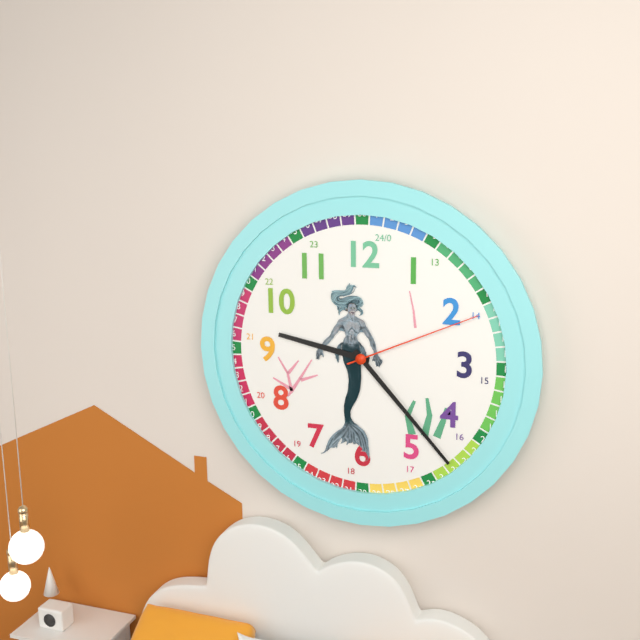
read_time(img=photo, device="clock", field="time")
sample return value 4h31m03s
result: 9h23m11s
